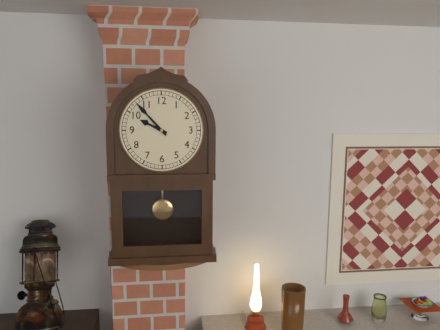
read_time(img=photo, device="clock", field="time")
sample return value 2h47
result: 9h53
